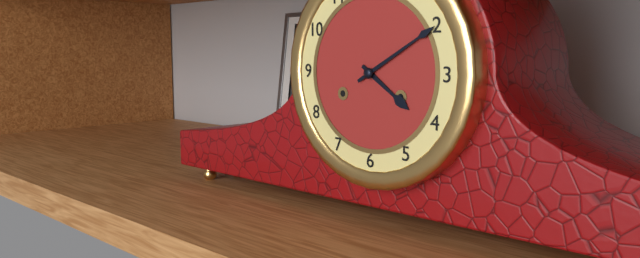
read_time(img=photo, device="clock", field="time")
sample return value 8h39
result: 4h10
